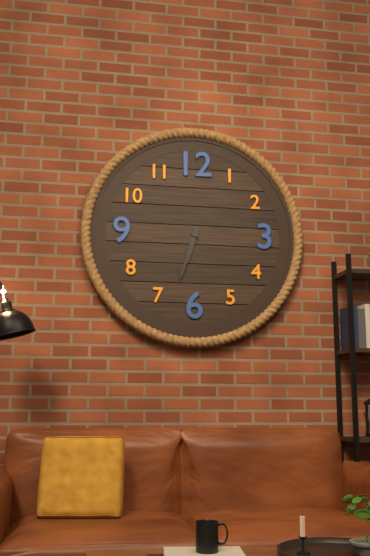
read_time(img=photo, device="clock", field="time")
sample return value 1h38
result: 6h33
